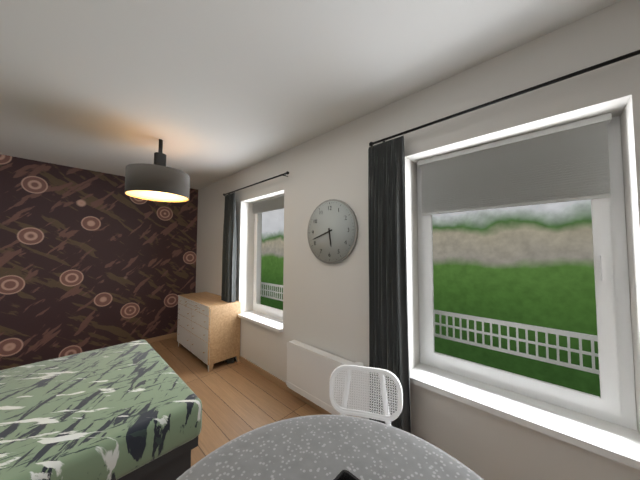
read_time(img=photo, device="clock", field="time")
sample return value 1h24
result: 5h42
